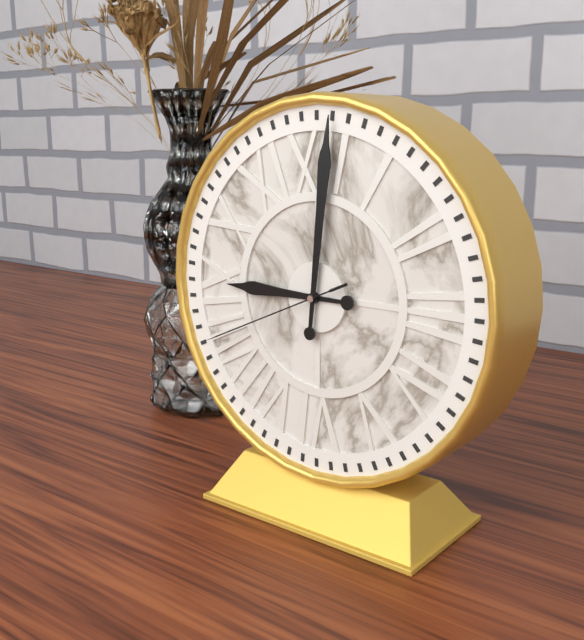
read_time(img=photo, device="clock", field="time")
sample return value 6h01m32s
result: 9h01m41s
